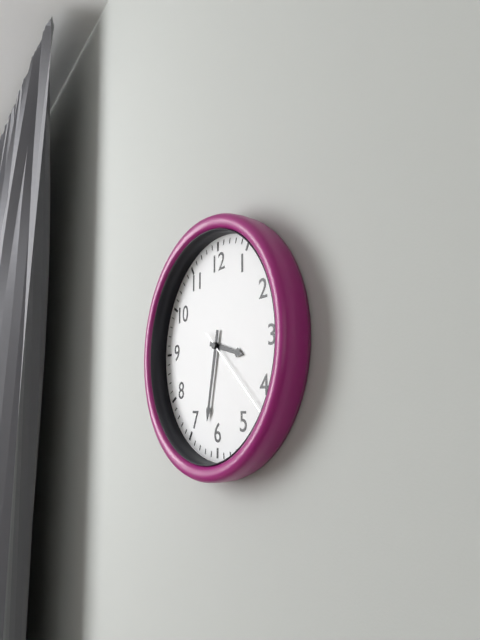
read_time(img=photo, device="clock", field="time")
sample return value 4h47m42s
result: 3h32m22s
